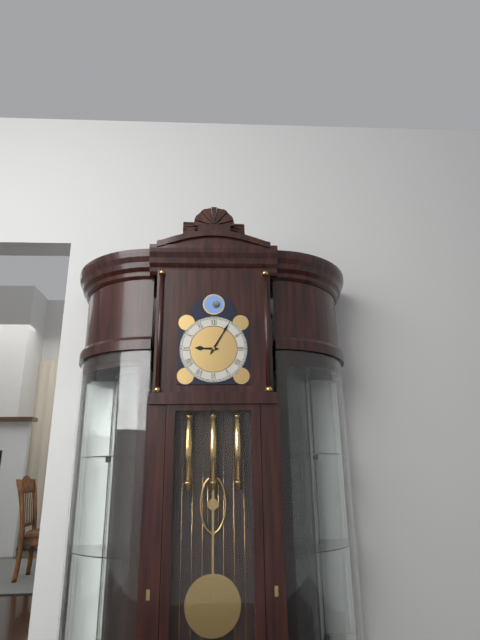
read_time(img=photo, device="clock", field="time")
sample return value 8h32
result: 9h05
